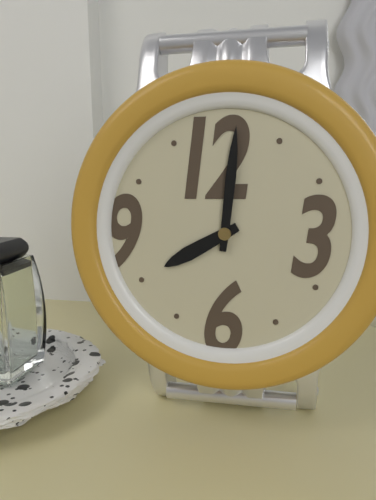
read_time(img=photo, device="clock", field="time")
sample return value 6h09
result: 8h01
